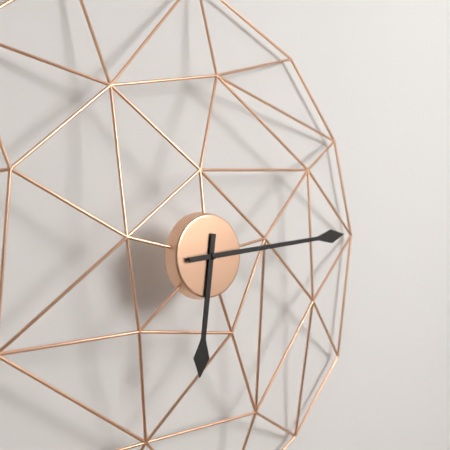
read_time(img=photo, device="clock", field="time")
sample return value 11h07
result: 6h14
